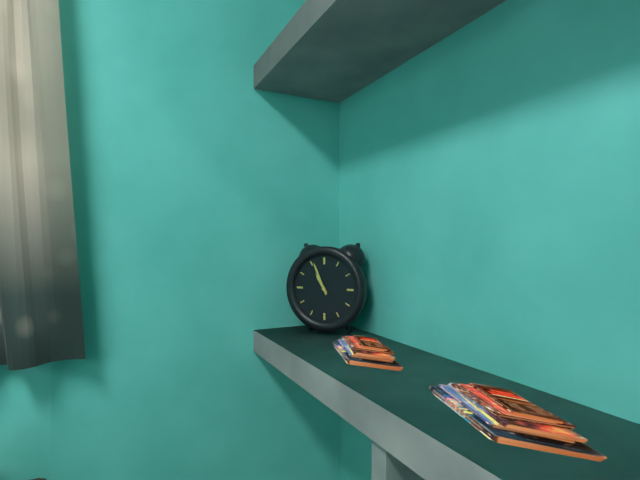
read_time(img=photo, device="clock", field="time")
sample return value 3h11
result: 10h56
